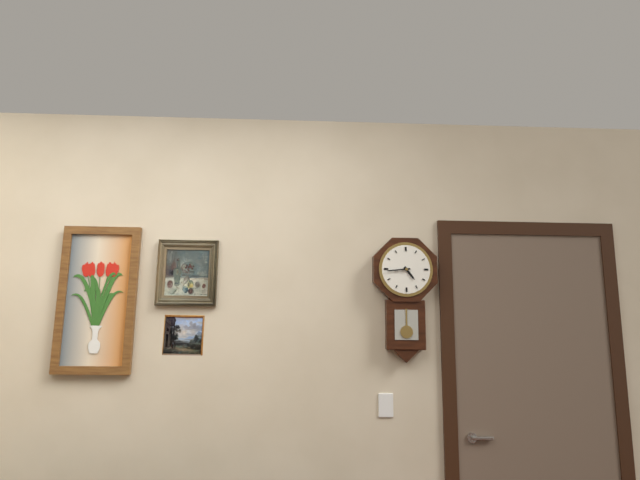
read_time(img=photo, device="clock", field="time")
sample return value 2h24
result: 4h44
